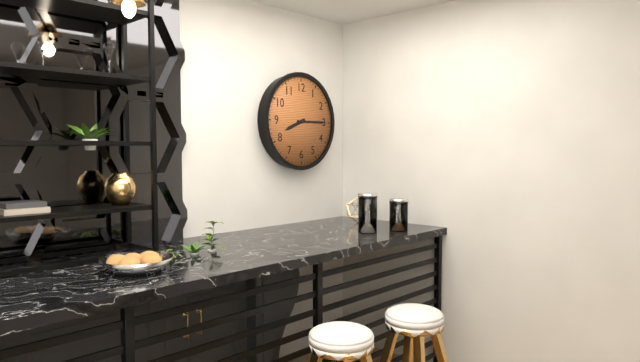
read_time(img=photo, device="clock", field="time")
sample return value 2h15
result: 8h15
